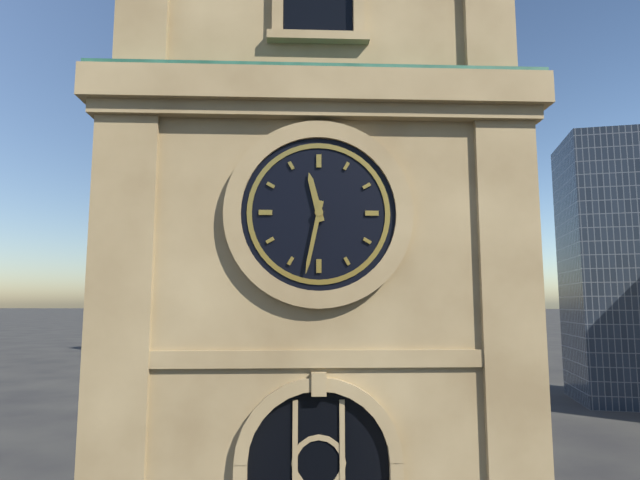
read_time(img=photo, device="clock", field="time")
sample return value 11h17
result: 11h32
